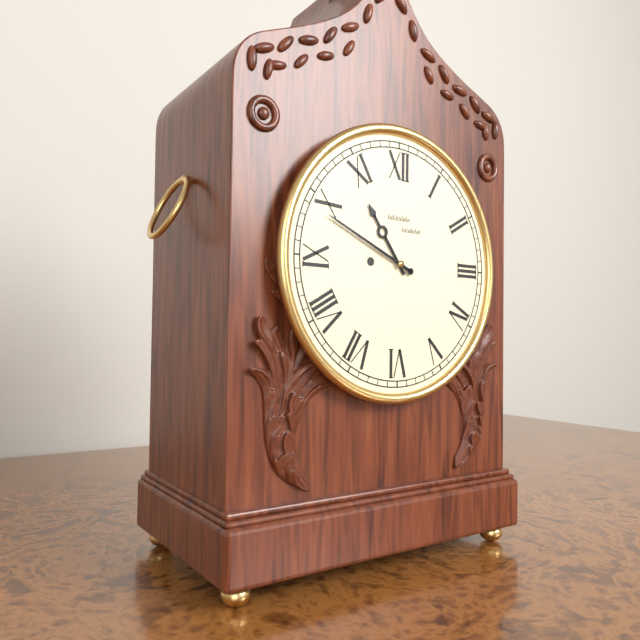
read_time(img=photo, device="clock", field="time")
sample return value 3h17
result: 10h49
